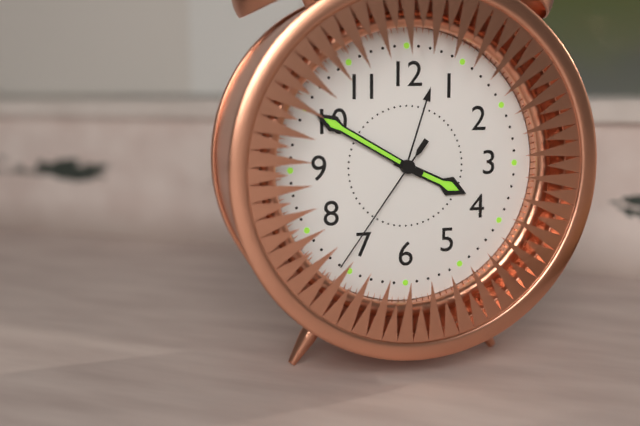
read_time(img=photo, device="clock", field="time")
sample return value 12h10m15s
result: 3h50m36s
